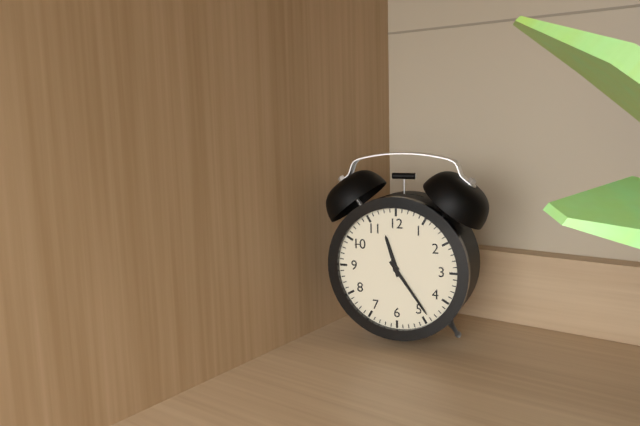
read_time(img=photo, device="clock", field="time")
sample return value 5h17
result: 11h24
